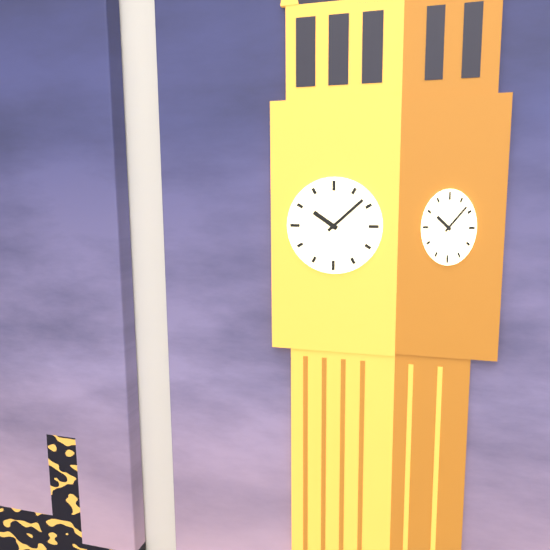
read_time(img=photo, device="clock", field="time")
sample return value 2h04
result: 10h08
